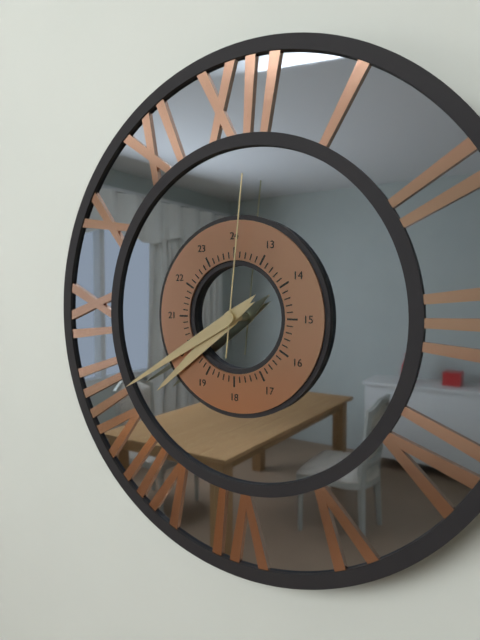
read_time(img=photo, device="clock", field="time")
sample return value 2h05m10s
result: 7h40m01s
